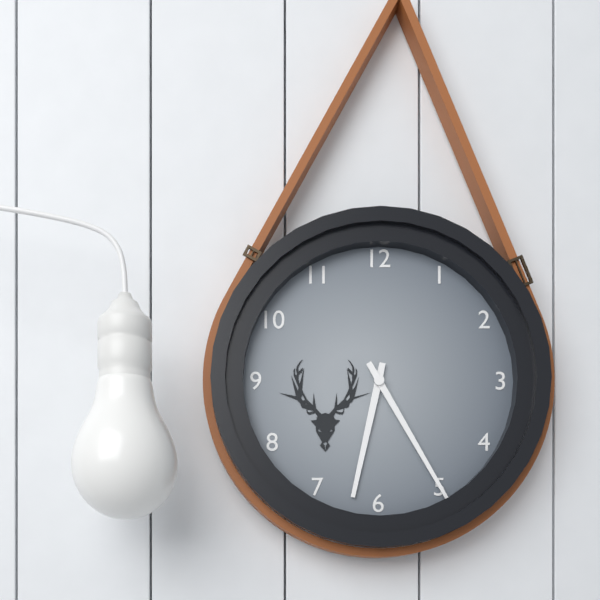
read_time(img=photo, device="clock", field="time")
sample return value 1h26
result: 6h25
